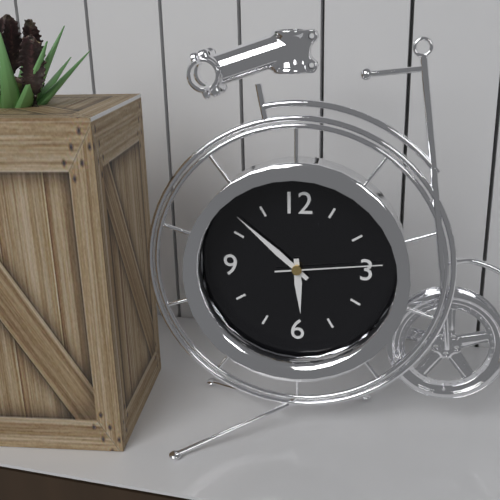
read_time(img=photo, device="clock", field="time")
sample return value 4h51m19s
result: 5h52m14s
